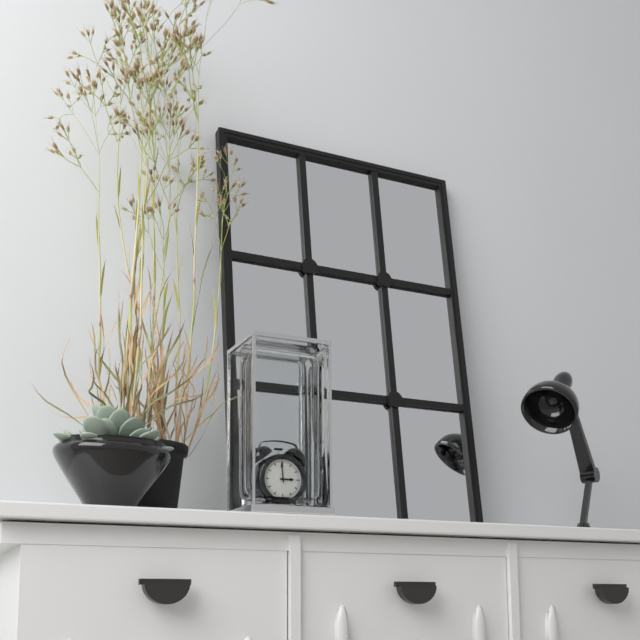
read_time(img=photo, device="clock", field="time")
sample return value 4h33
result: 2h59
